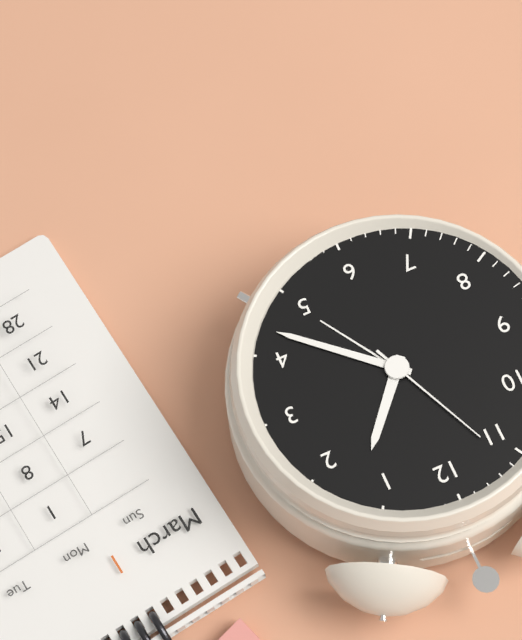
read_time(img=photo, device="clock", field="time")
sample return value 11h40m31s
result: 1h22m56s
